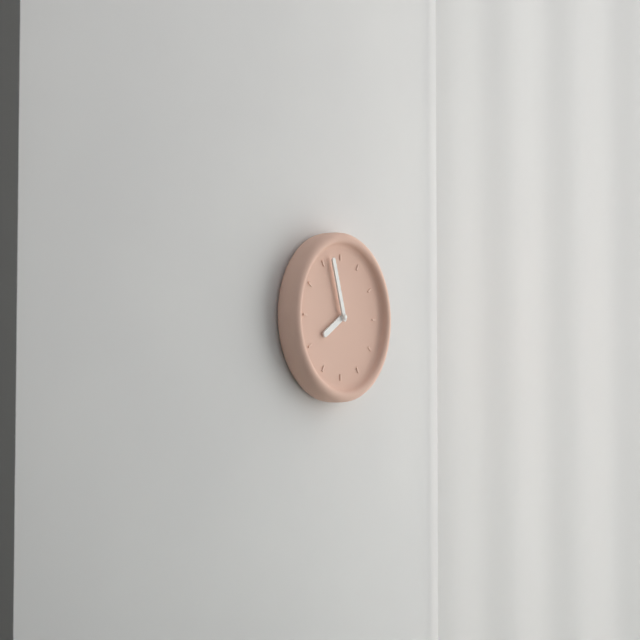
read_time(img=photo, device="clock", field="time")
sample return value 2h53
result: 7h57
